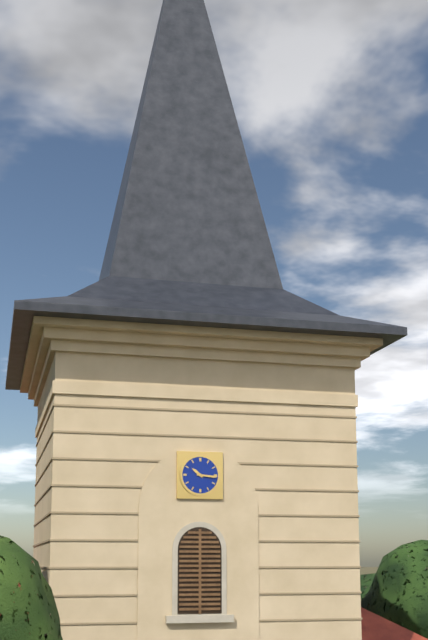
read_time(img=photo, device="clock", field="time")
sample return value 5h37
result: 10h16
